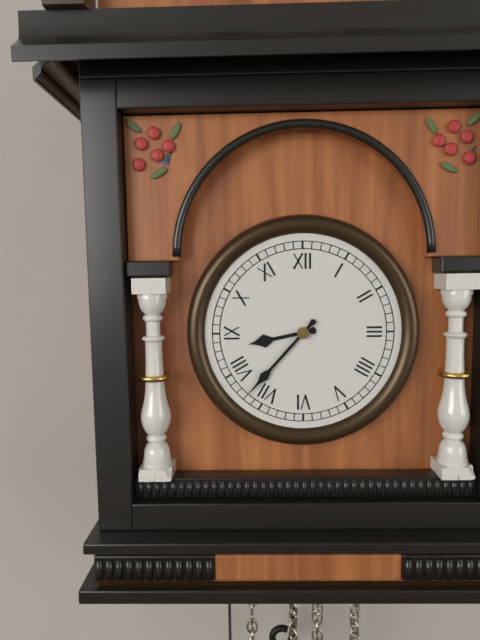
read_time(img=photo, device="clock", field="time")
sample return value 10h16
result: 8h37
